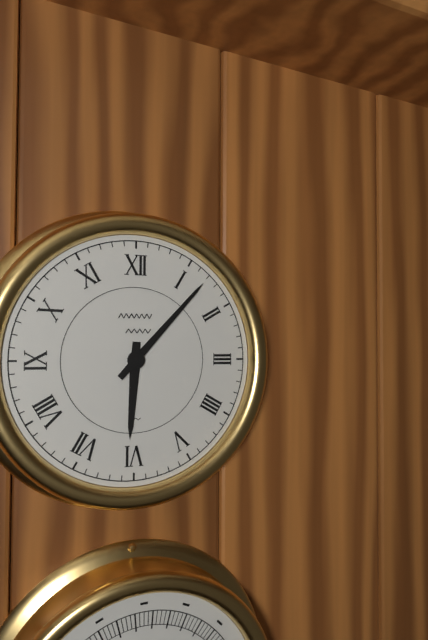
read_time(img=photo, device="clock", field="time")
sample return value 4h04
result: 6h07
